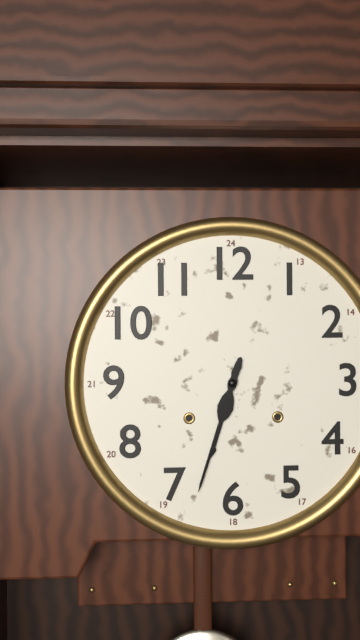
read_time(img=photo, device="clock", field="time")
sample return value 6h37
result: 6h33
